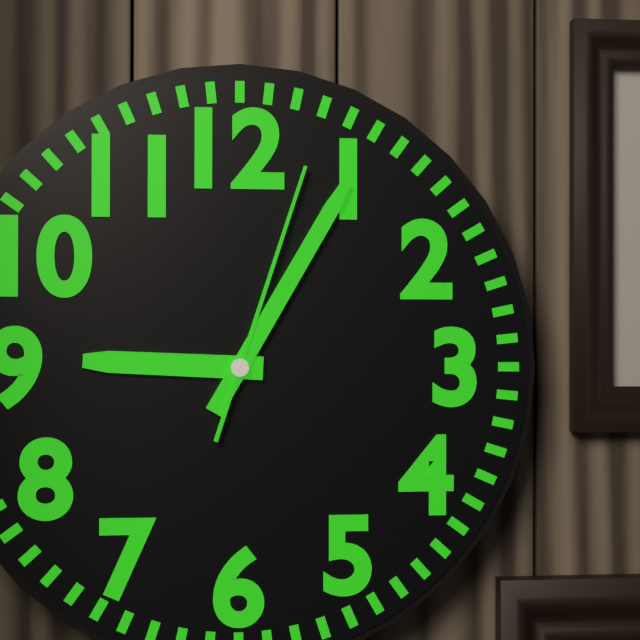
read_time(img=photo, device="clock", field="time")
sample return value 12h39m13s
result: 9h05m03s
